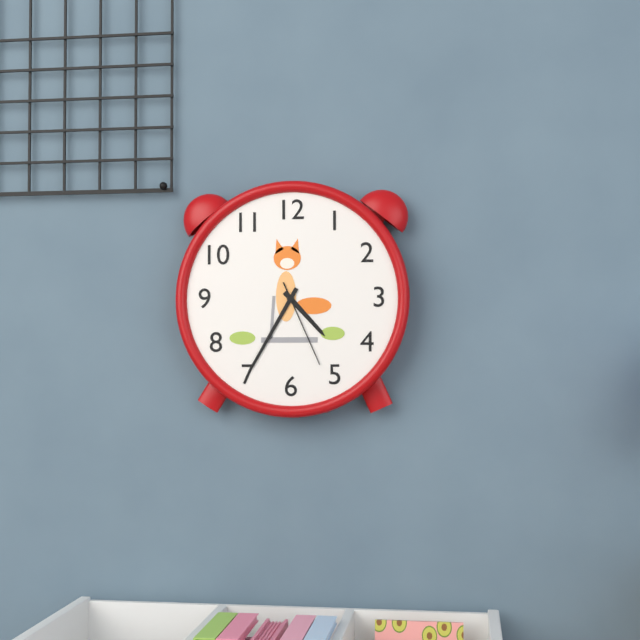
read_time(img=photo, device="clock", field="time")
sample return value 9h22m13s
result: 4h35m26s
